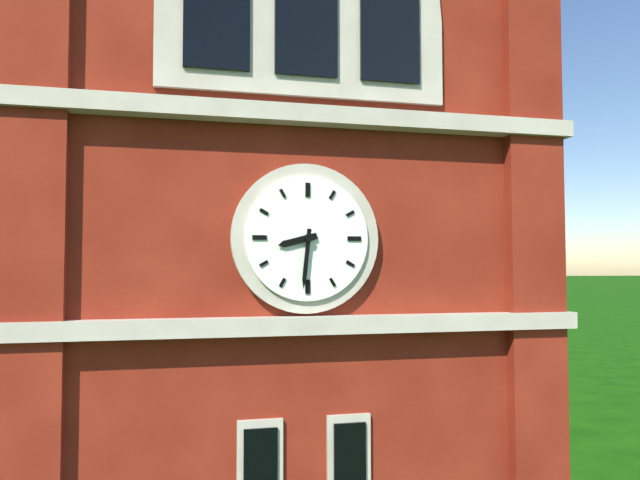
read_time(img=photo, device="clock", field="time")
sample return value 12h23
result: 8h31
